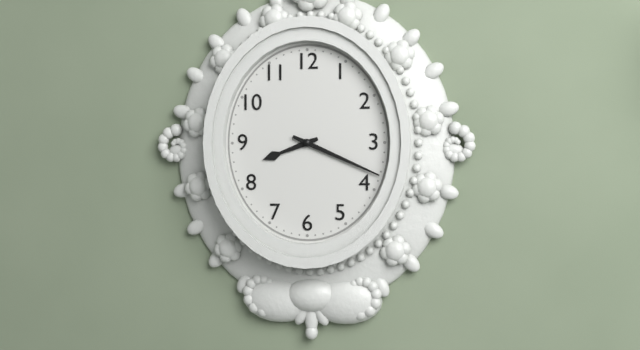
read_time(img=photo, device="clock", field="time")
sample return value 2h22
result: 8h19
